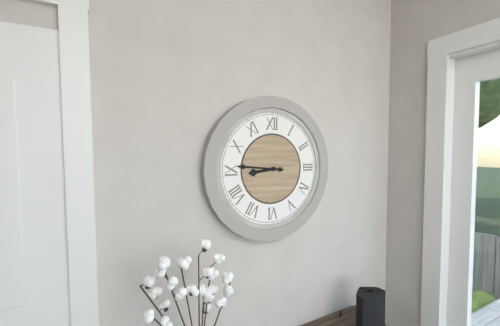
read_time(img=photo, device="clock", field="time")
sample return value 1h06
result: 8h46
